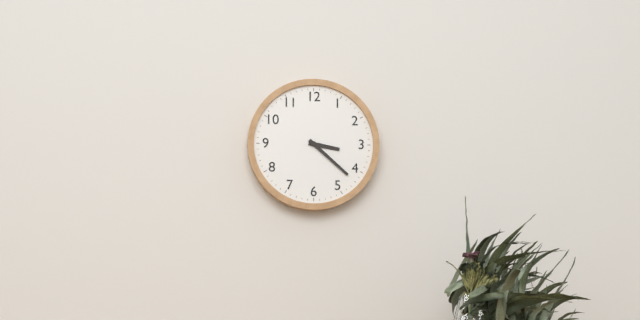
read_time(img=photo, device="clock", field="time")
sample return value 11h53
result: 3h22
